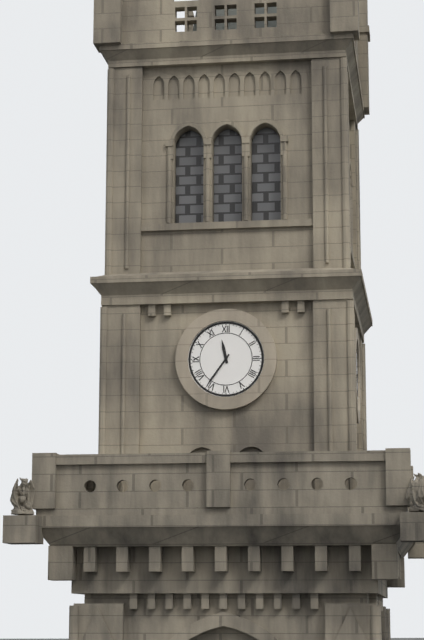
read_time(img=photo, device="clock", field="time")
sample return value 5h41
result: 11h36
